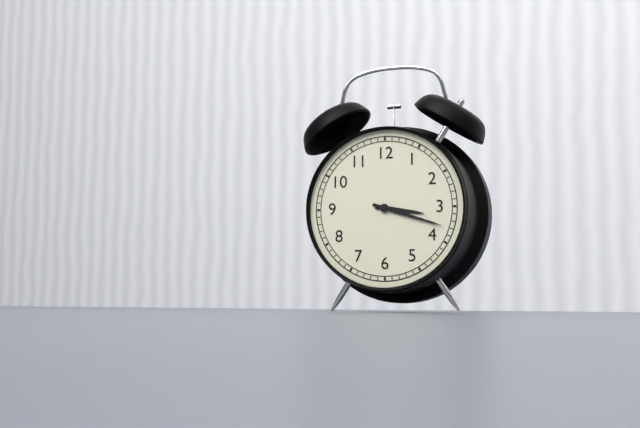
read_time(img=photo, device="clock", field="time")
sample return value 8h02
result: 3h18
